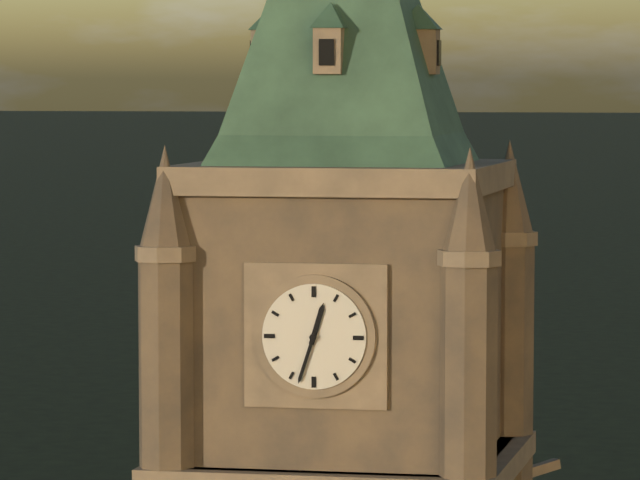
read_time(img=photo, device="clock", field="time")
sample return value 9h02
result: 12h33
